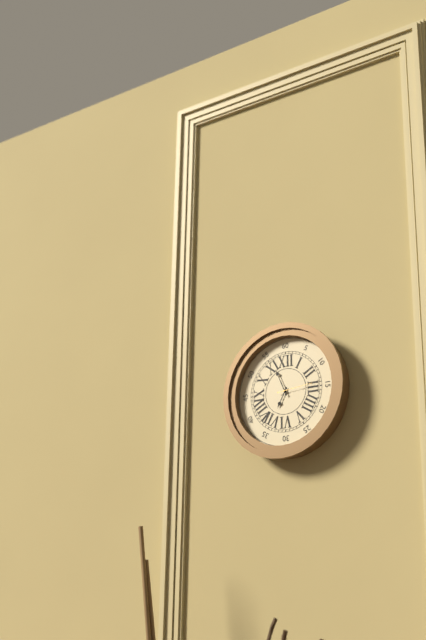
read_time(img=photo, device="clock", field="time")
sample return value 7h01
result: 6h56
